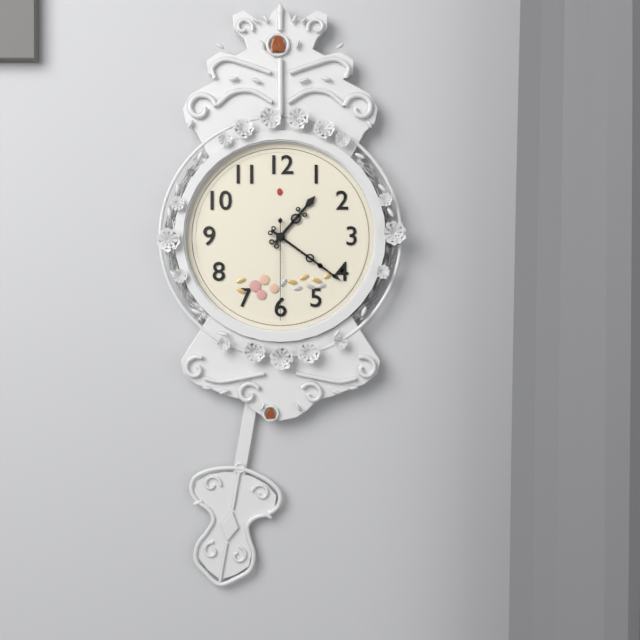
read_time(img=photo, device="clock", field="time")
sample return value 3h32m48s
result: 1h21m30s
